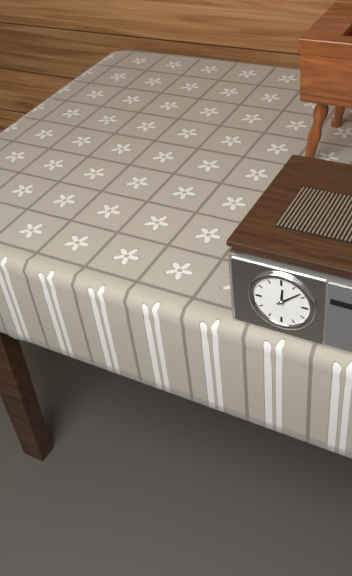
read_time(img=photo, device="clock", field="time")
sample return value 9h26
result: 12h08
